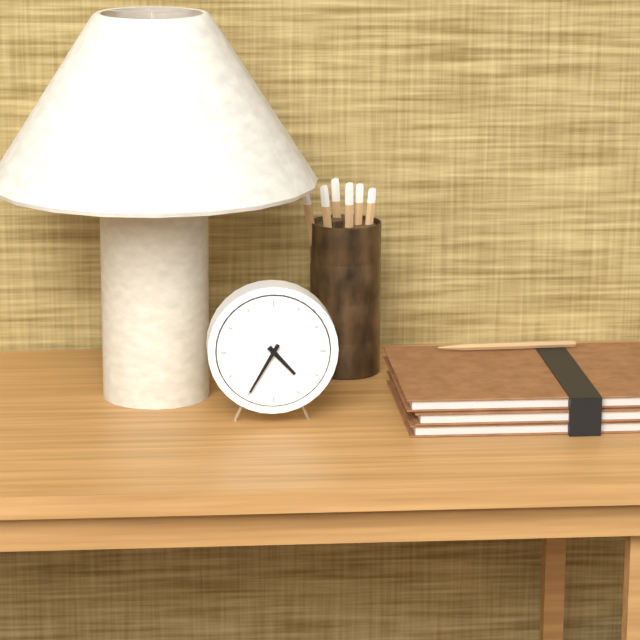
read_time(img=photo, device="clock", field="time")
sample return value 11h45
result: 4h35
